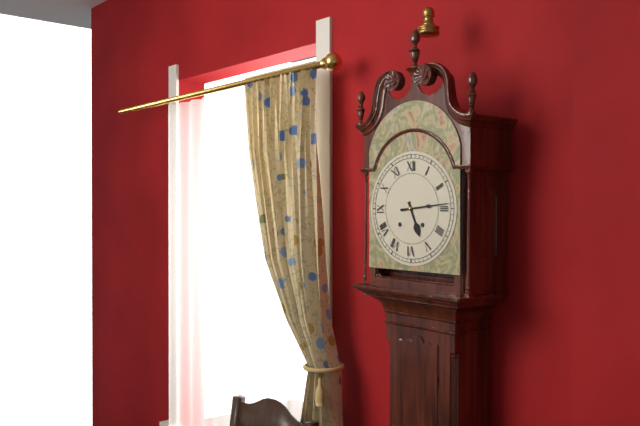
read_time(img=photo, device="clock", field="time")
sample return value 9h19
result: 5h14
